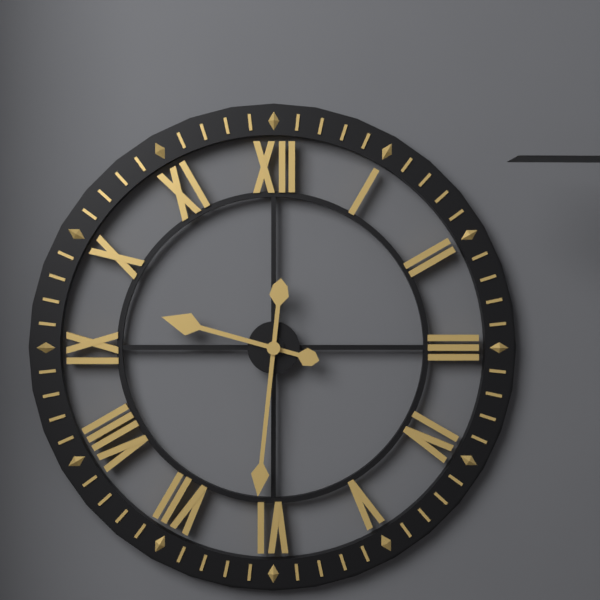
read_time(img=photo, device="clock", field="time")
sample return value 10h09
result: 9h31
